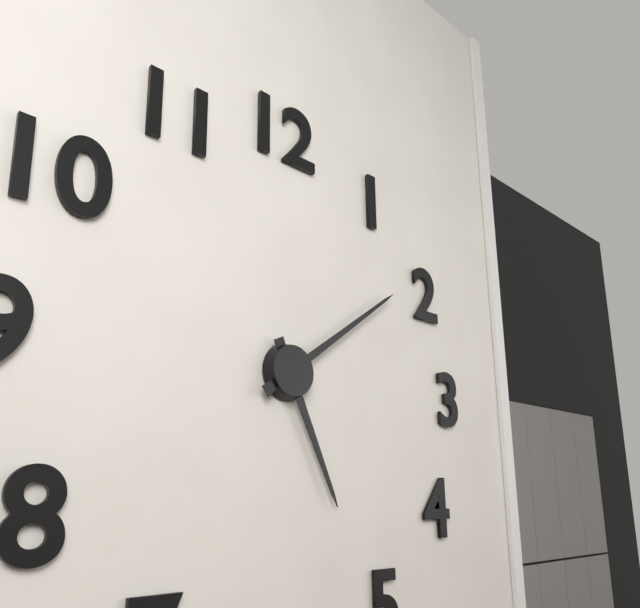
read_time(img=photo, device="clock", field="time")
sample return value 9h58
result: 5h09
